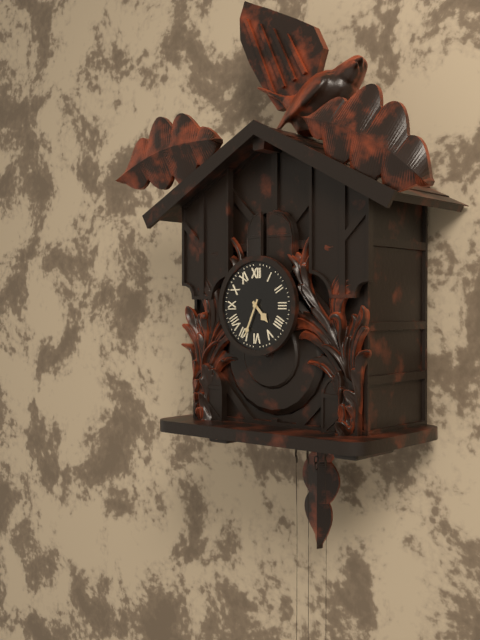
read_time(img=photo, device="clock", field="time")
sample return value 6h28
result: 4h34
